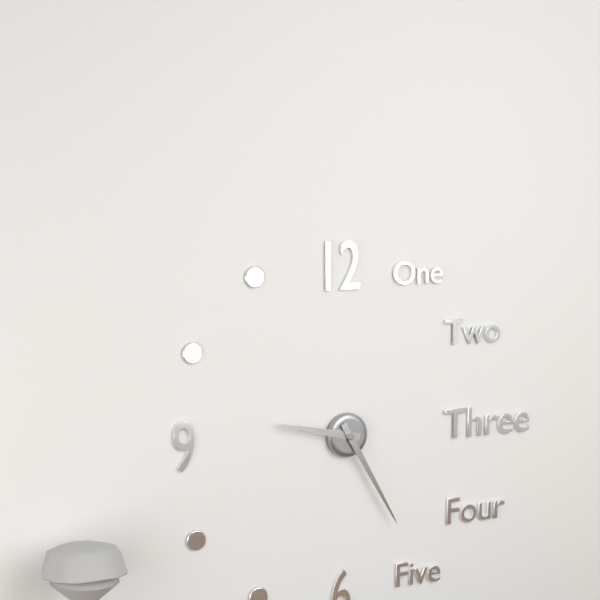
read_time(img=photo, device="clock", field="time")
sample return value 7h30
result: 9h25
